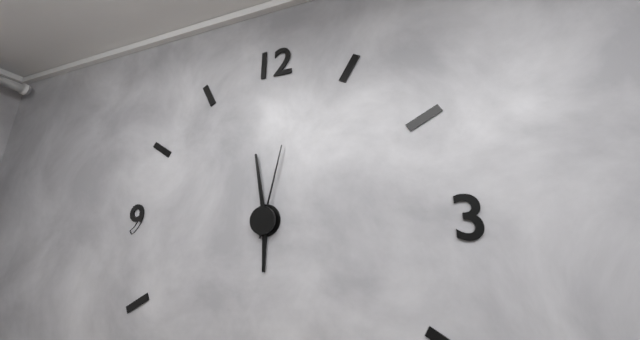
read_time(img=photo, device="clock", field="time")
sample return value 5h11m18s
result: 5h58m02s
